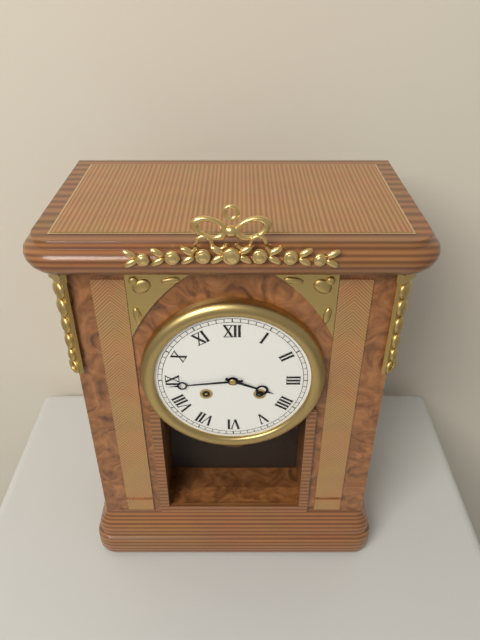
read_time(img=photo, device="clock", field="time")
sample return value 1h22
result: 3h44
